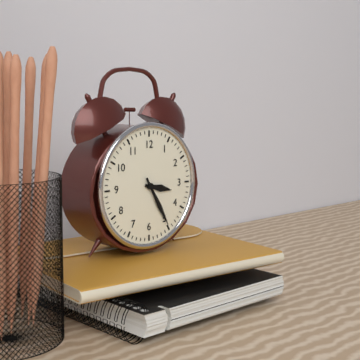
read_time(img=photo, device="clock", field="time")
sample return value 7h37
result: 3h25
